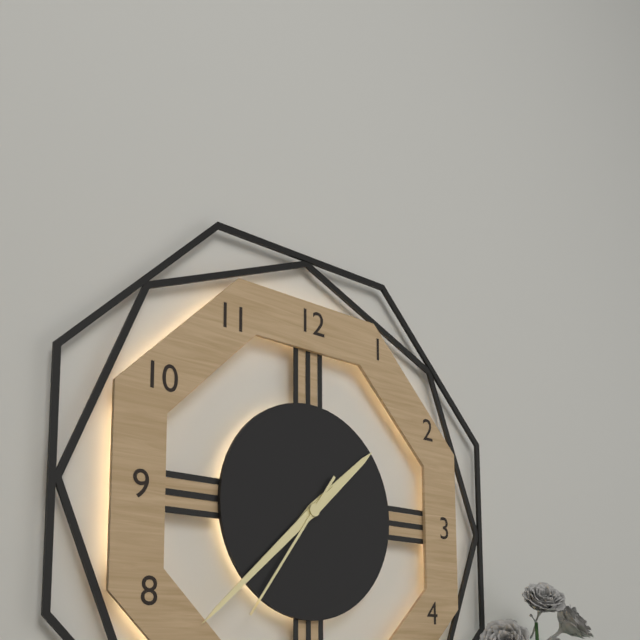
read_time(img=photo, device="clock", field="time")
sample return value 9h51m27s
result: 1h38m36s
